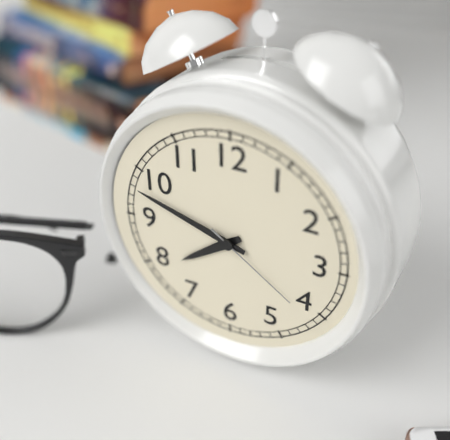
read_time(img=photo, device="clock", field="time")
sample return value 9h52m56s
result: 7h48m21s
